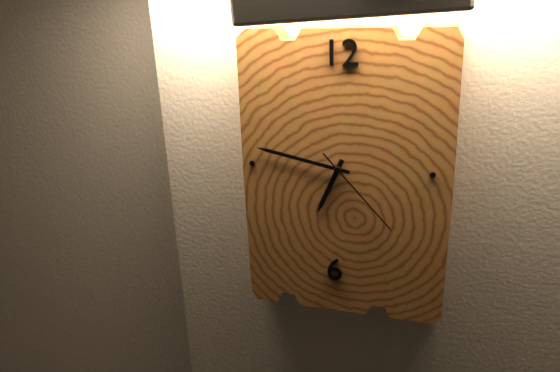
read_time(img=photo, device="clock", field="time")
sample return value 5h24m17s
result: 6h47m23s
